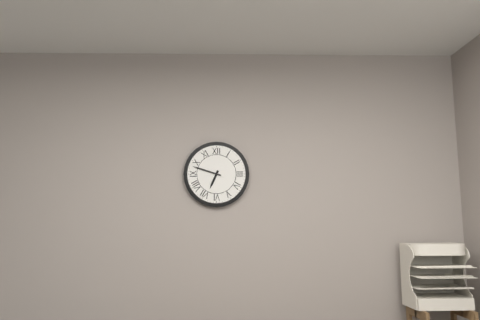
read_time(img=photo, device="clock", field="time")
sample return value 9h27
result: 6h48
